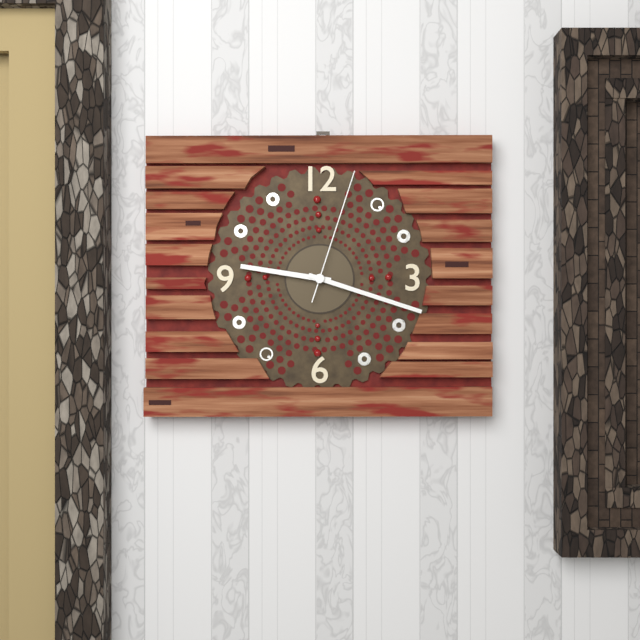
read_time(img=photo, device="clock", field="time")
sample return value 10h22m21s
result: 9h18m03s
